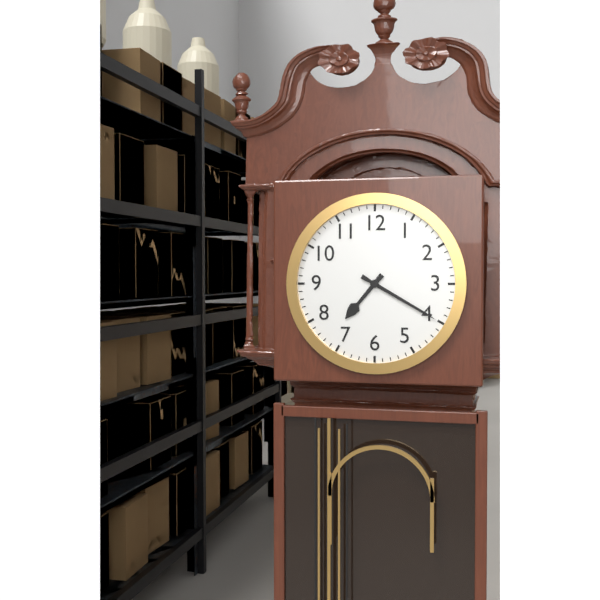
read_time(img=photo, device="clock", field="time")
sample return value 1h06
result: 7h20
